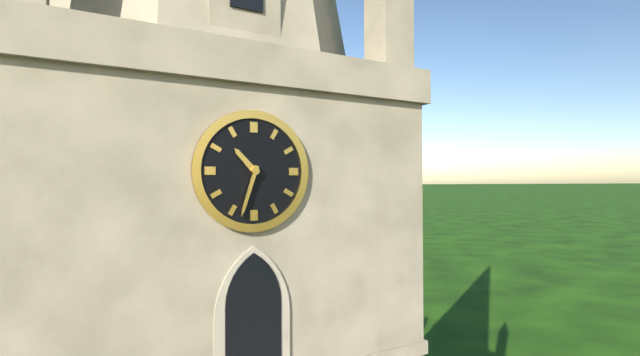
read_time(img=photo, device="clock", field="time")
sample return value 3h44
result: 10h33
